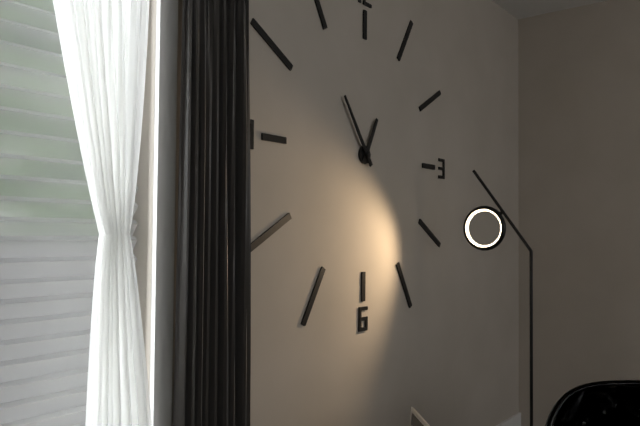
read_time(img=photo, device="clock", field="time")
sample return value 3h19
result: 12h54
